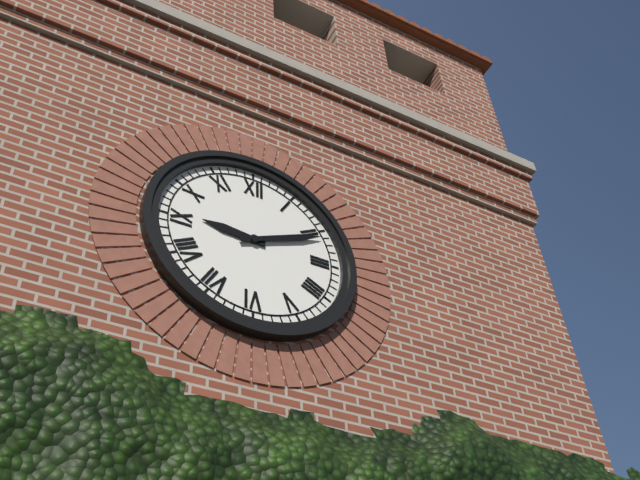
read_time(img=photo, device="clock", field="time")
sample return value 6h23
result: 9h11
